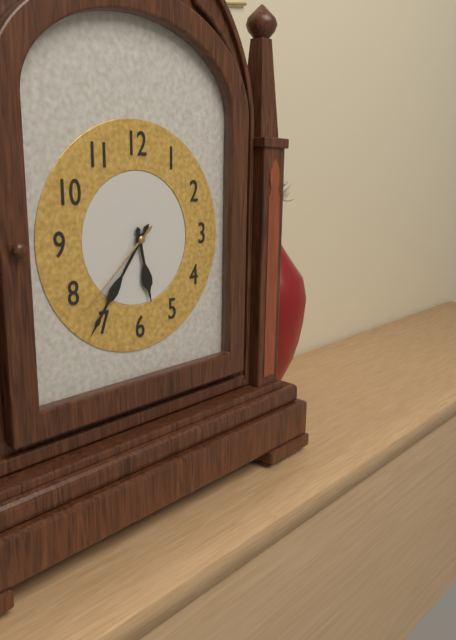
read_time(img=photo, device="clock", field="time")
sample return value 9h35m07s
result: 5h36m38s
